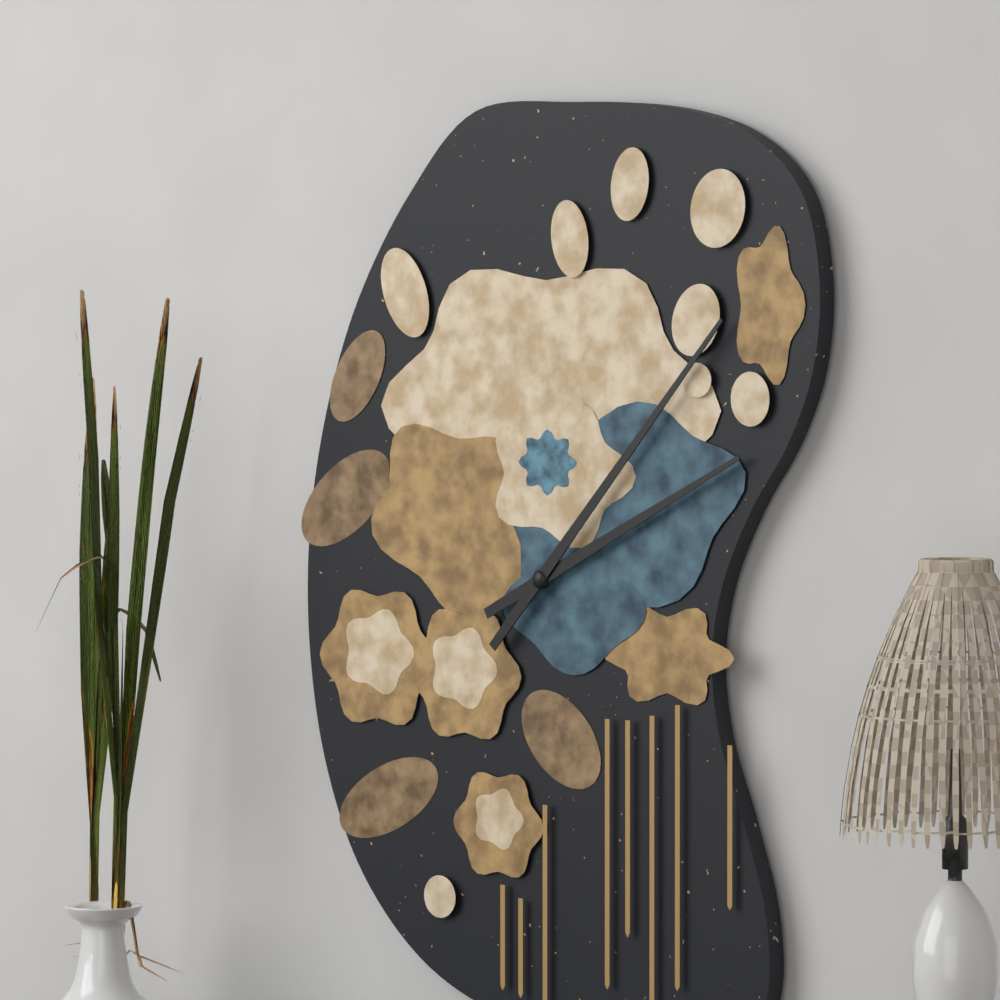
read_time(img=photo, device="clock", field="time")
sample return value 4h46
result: 2h07
